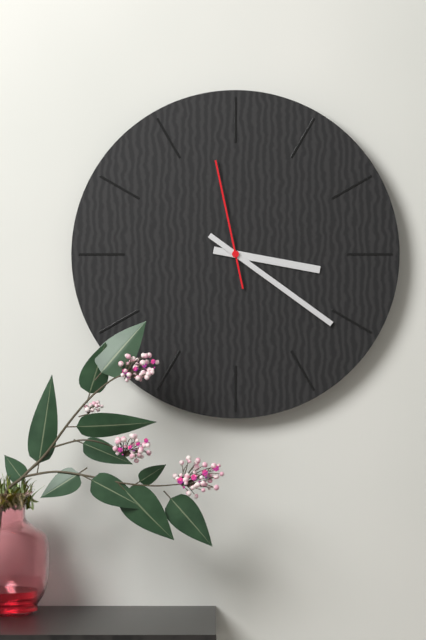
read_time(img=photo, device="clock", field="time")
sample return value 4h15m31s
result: 3h21m58s
